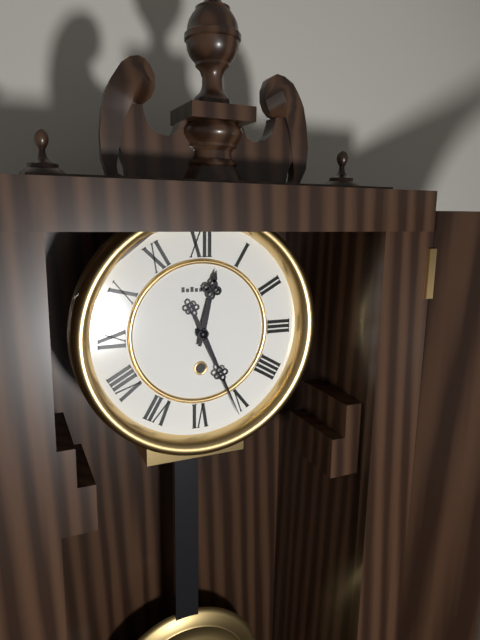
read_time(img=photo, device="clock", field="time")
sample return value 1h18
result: 12h26
